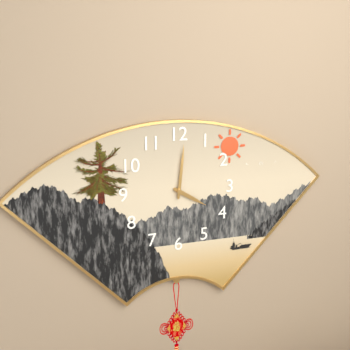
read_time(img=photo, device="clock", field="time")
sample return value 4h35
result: 4h01
